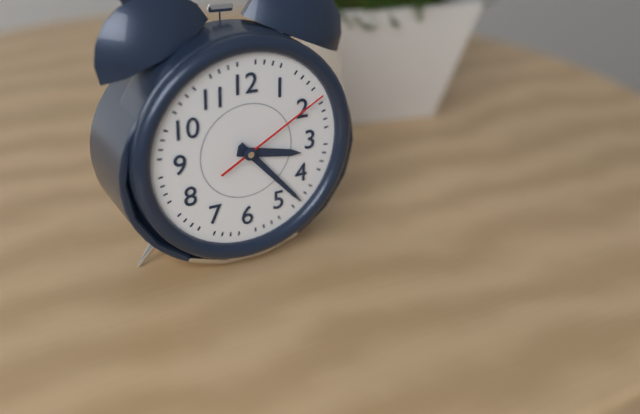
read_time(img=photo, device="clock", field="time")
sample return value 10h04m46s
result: 3h23m10s
